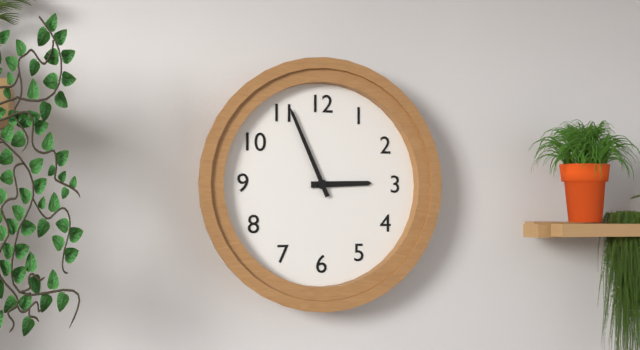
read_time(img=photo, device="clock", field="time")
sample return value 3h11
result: 2h56
